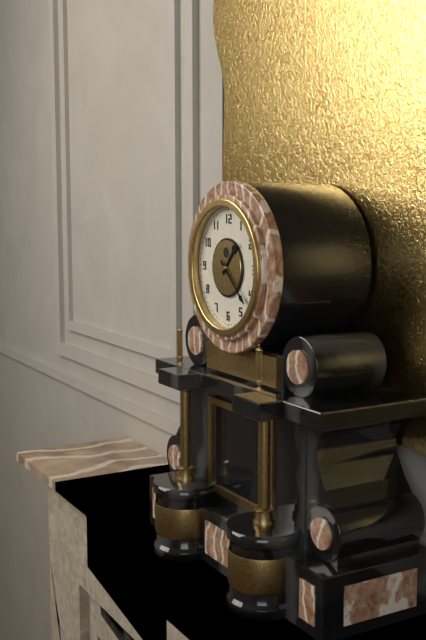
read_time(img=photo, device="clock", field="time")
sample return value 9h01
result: 1h22
